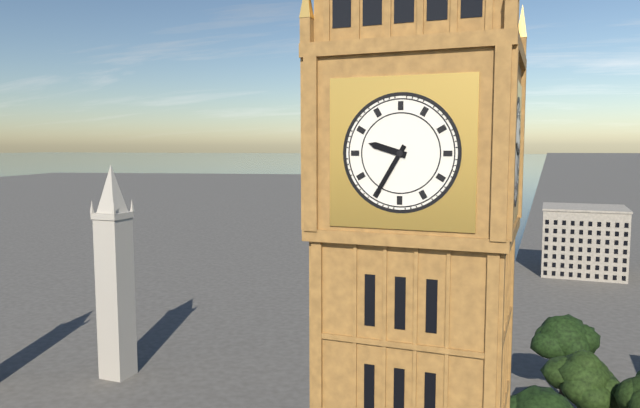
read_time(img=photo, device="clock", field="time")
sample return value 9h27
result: 9h35
